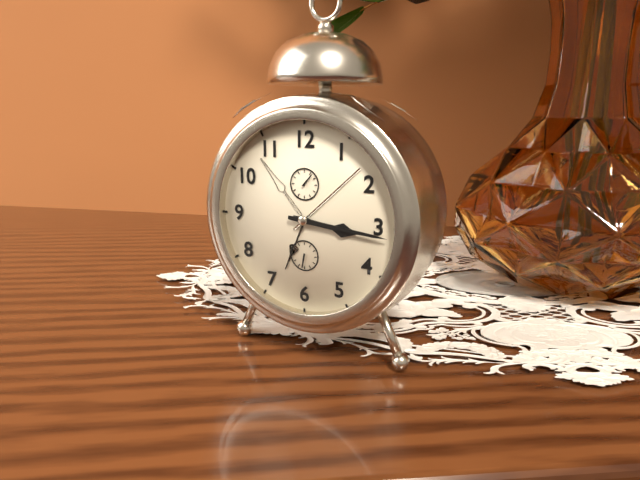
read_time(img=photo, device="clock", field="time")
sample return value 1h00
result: 3h16
